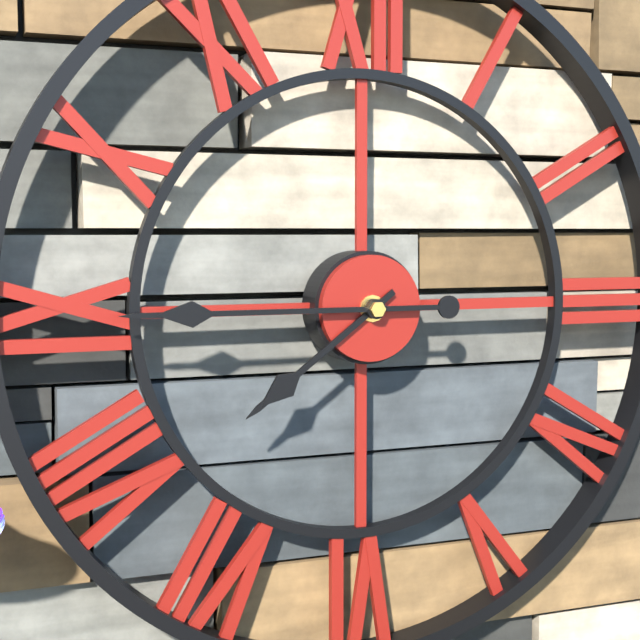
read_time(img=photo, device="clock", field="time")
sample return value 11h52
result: 7h45
